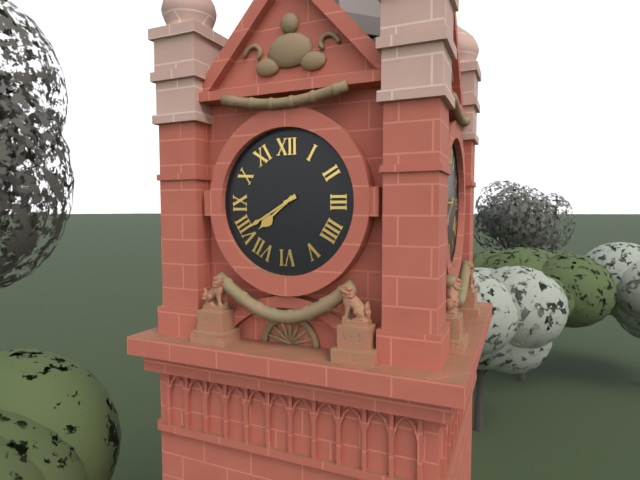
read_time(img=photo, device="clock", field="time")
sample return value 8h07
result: 7h40
